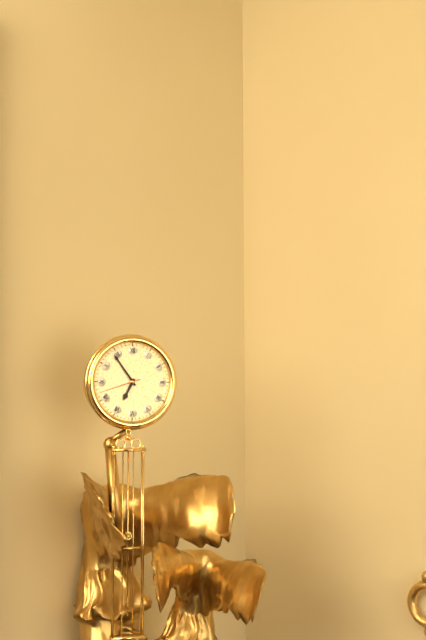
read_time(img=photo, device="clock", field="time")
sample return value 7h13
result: 6h54
